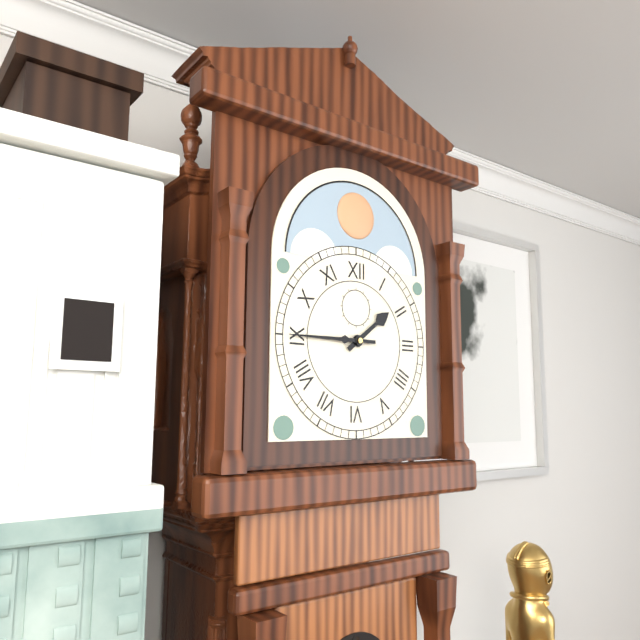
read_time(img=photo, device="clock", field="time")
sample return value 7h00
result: 1h45
